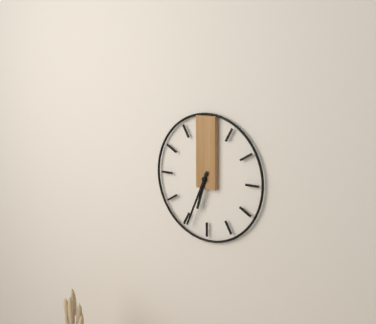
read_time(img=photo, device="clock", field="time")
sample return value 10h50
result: 6h34
